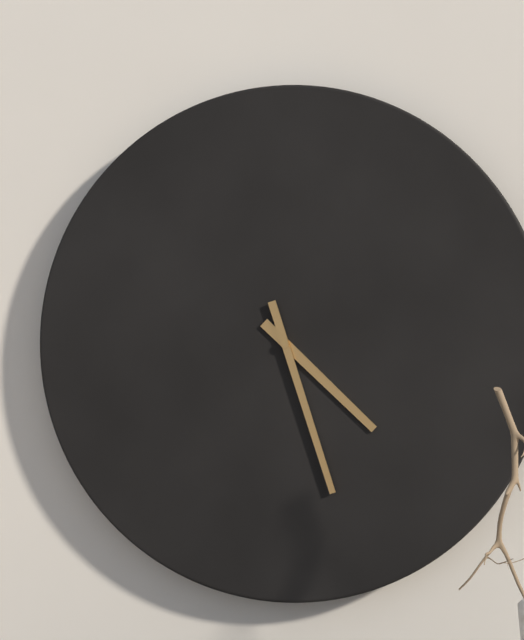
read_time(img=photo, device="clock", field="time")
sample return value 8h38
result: 4h27
